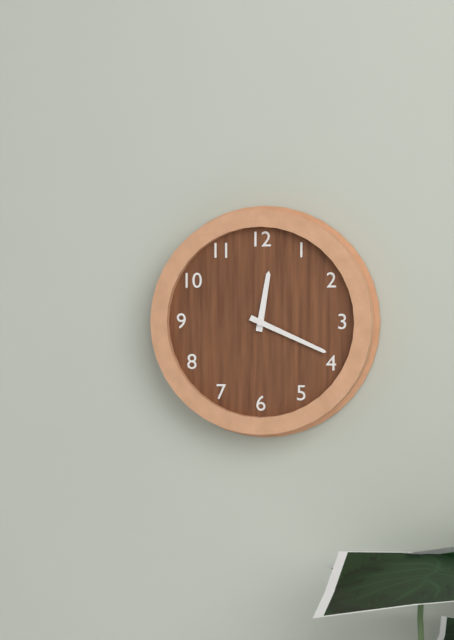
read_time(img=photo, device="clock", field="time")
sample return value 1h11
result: 12h19
